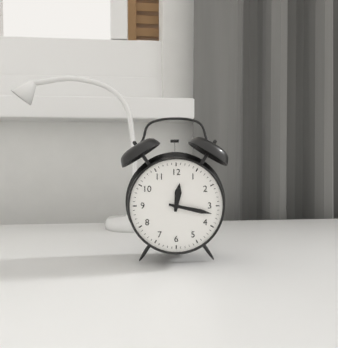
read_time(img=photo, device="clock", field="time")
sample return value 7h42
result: 12h17
